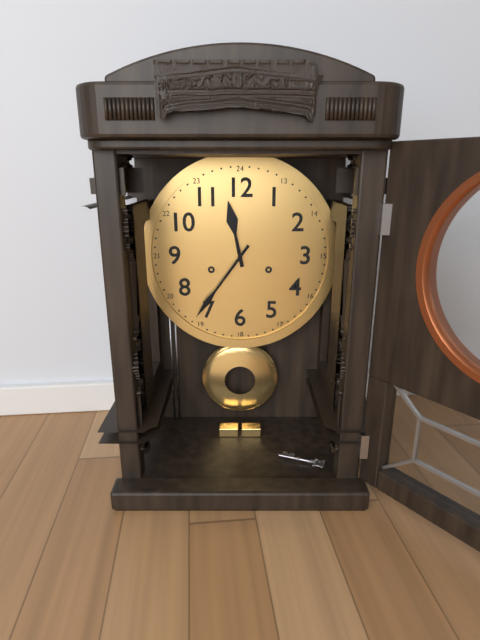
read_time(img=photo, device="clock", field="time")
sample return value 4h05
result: 11h36
